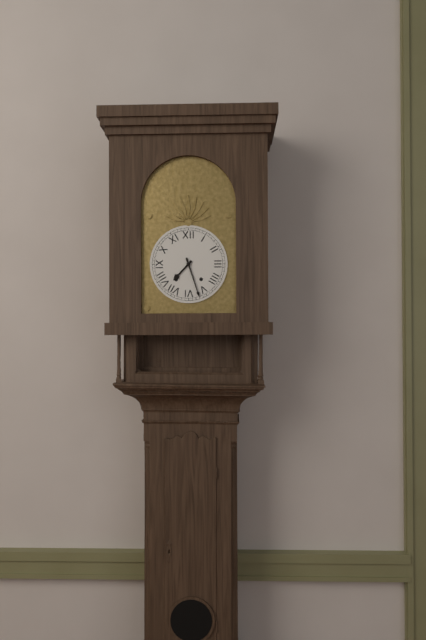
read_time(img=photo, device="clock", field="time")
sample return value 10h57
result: 7h27
